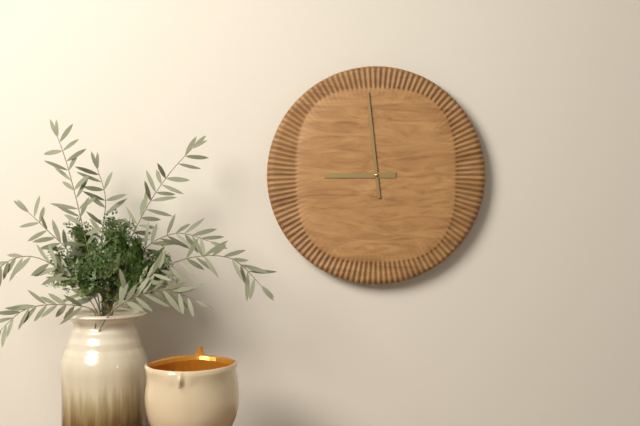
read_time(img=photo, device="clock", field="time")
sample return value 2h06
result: 8h59
